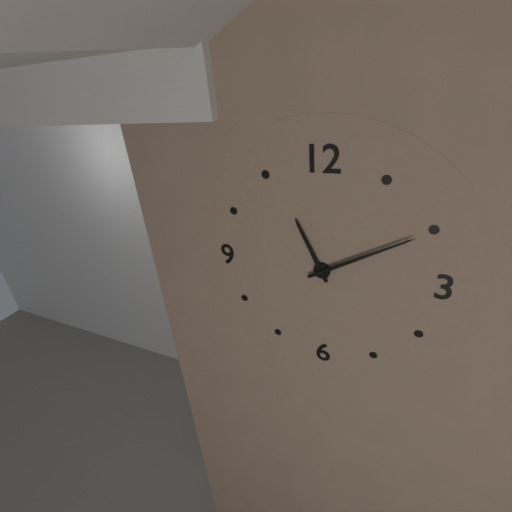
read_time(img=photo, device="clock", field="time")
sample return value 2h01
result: 11h10
